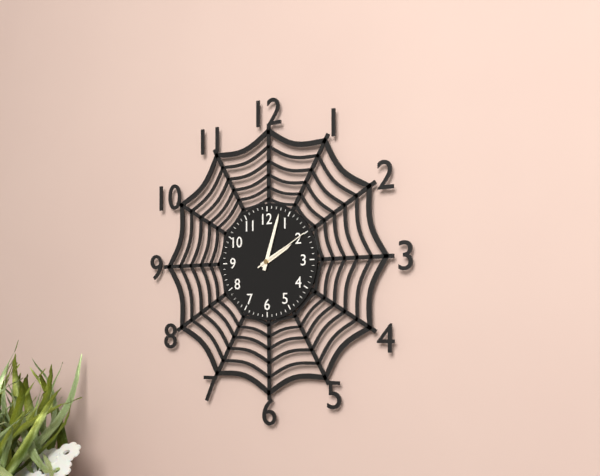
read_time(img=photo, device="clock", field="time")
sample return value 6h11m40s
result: 2h03m10s
